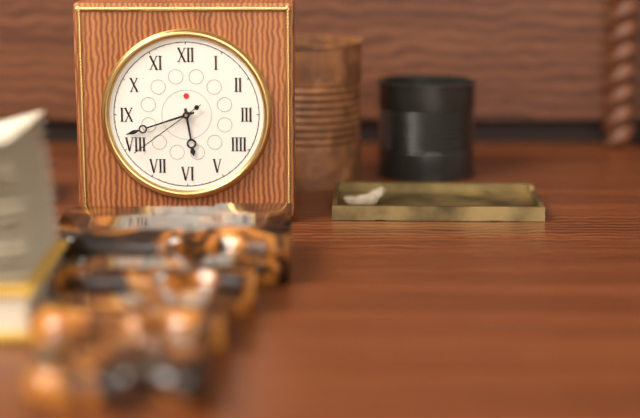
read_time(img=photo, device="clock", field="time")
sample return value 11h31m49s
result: 5h42m39s
